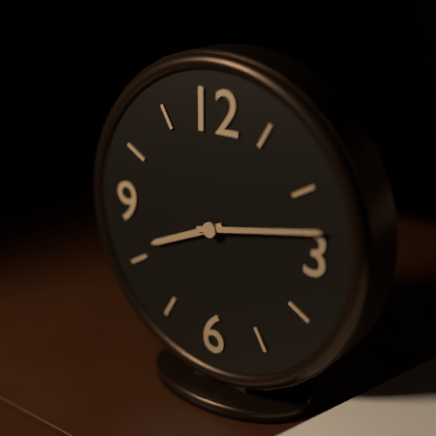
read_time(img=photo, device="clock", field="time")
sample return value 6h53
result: 8h13
